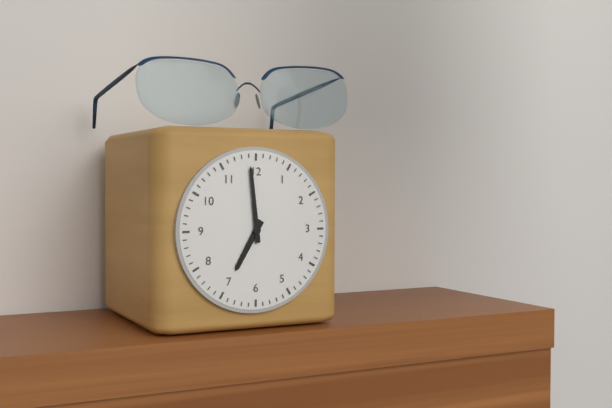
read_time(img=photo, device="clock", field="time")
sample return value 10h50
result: 6h59
